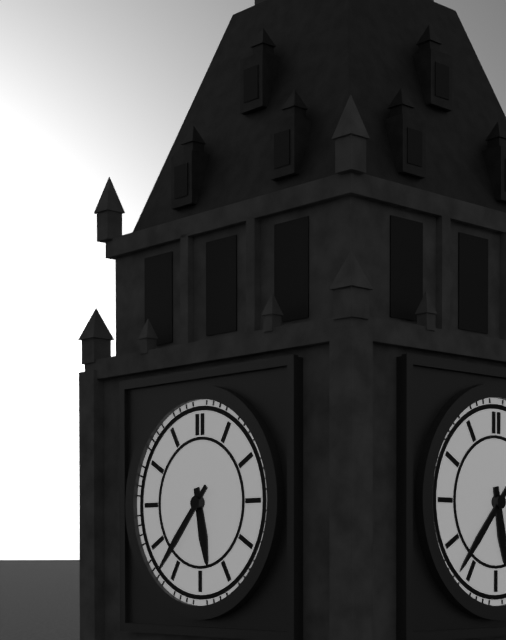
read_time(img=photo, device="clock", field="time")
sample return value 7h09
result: 5h37
